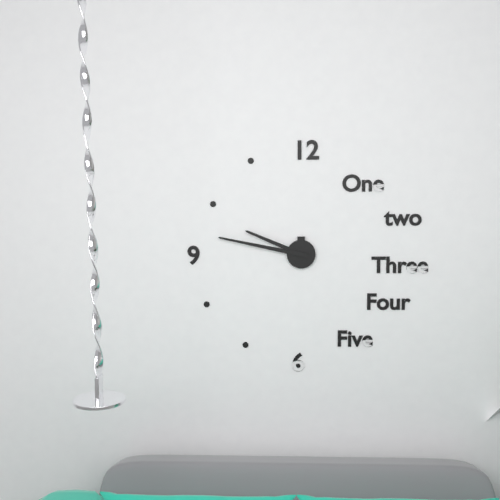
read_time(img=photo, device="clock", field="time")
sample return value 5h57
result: 9h47
